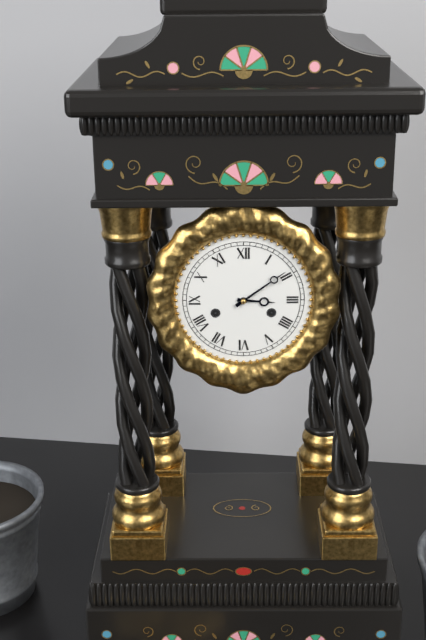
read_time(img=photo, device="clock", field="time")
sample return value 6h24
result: 3h09
